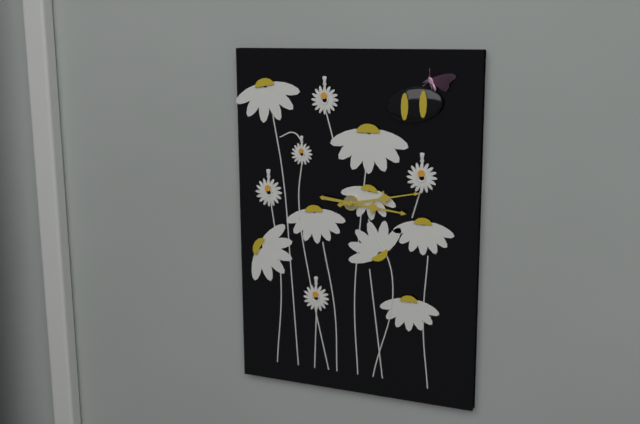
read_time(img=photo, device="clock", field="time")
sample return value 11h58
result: 3h13
